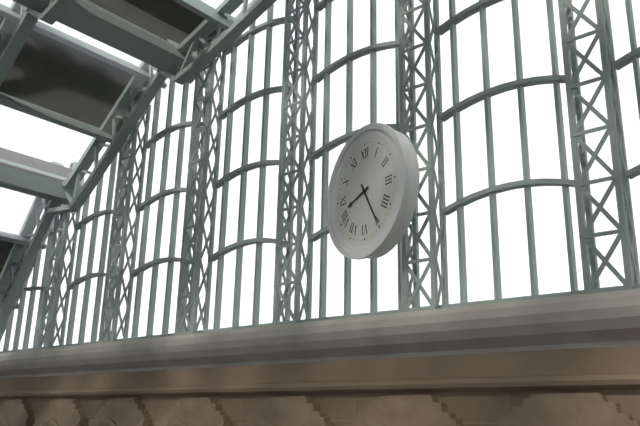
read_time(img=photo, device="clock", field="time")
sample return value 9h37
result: 8h25
